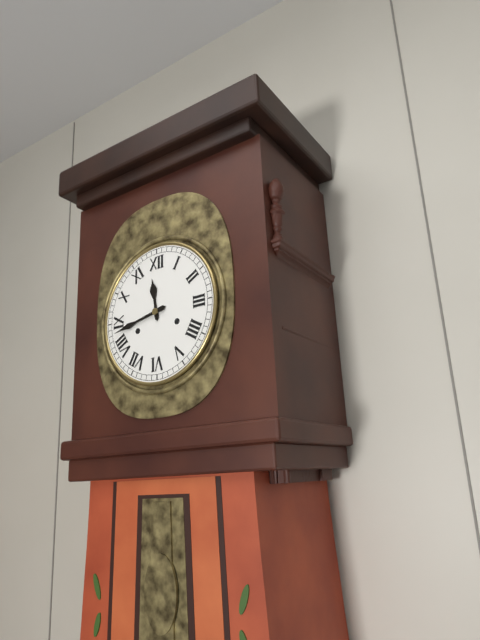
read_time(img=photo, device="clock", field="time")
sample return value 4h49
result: 11h43
